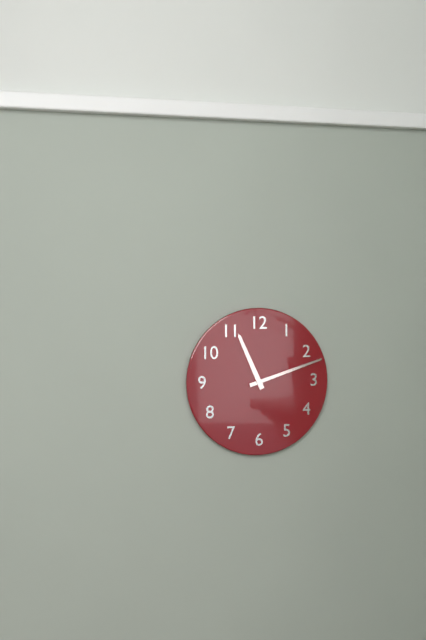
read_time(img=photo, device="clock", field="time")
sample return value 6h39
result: 11h12
